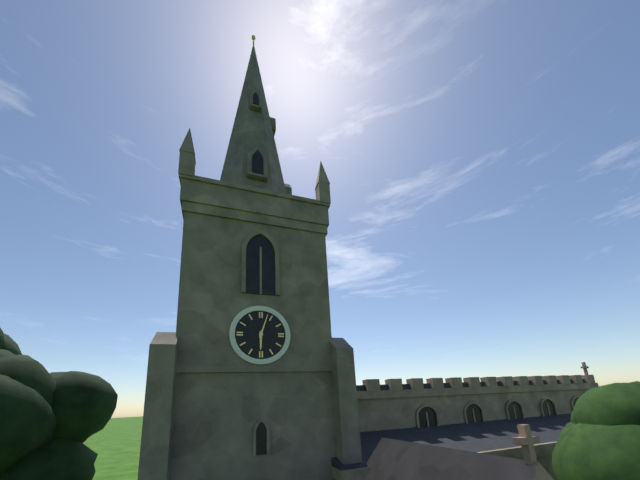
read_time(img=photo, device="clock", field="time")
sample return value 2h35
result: 6h03
